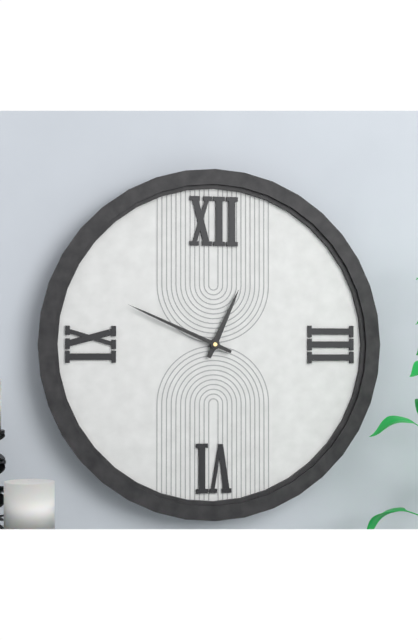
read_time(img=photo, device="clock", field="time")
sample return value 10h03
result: 12h49
